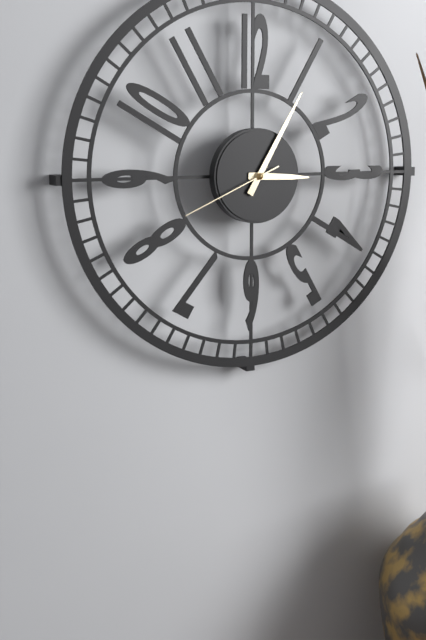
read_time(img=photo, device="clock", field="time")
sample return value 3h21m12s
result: 3h05m41s
